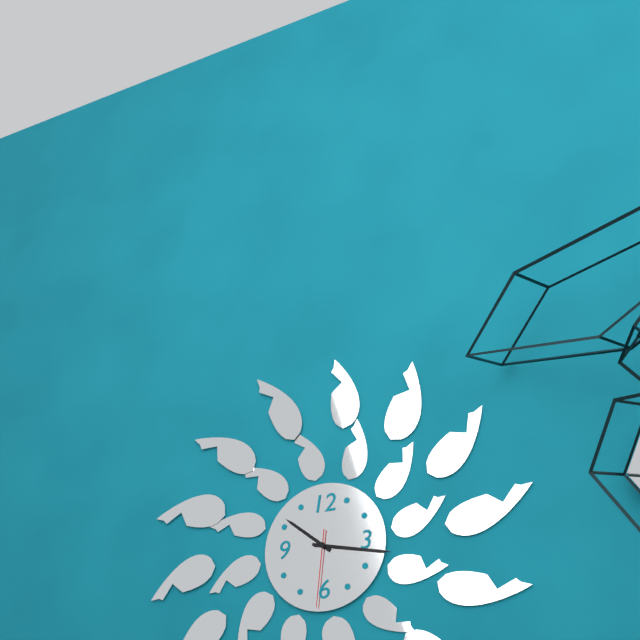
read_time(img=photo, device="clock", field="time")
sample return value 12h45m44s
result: 10h17m31s
